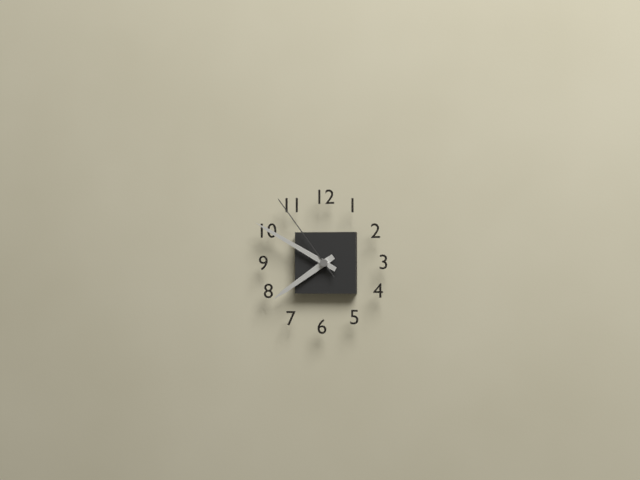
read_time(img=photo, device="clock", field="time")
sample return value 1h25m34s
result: 7h50m54s
